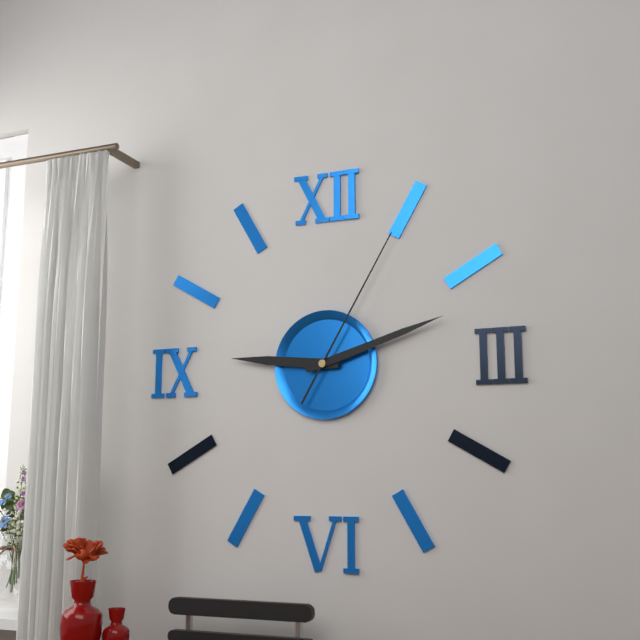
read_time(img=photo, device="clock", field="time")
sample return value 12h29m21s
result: 9h12m05s
